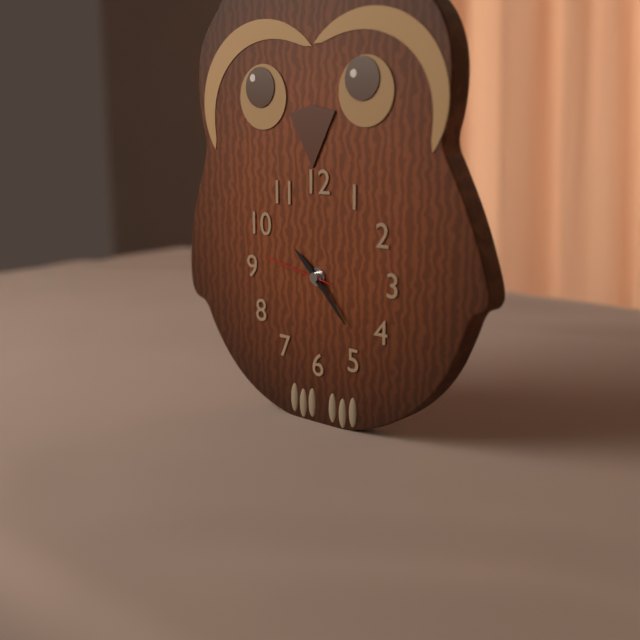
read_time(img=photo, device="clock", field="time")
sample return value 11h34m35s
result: 10h23m47s
